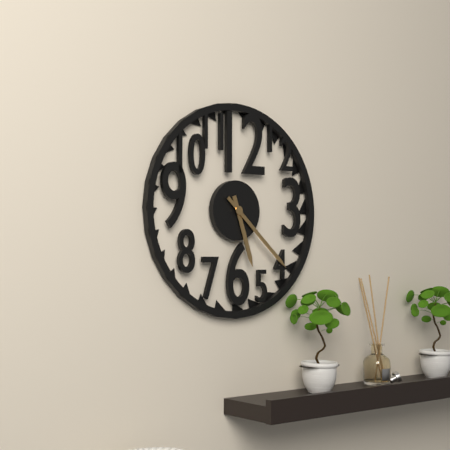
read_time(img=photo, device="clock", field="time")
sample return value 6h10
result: 5h22
